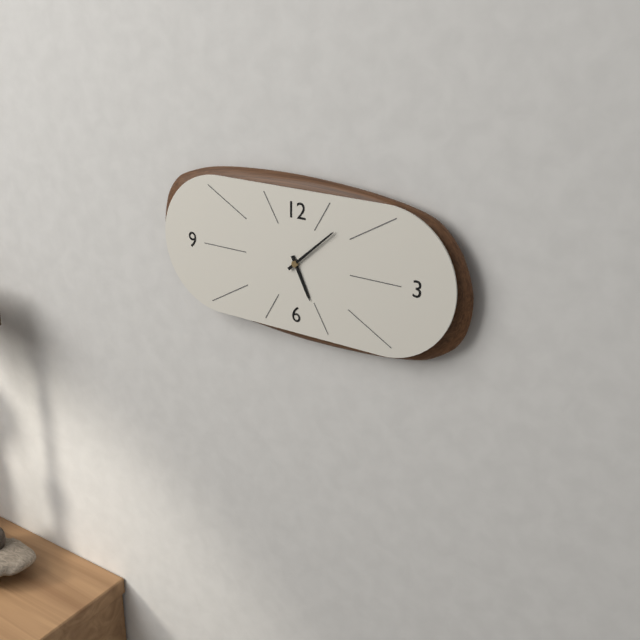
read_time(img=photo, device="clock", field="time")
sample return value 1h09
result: 5h08
